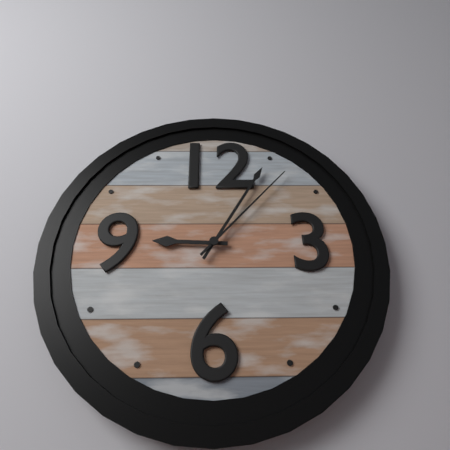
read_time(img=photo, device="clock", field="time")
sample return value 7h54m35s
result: 9h05m07s
